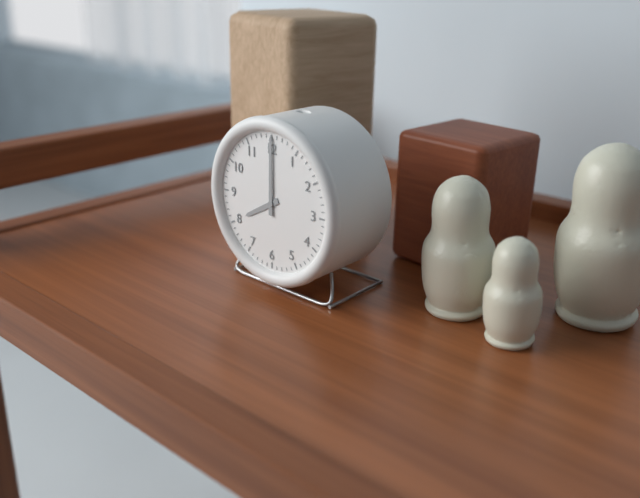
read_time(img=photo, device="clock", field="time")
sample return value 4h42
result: 8h00
